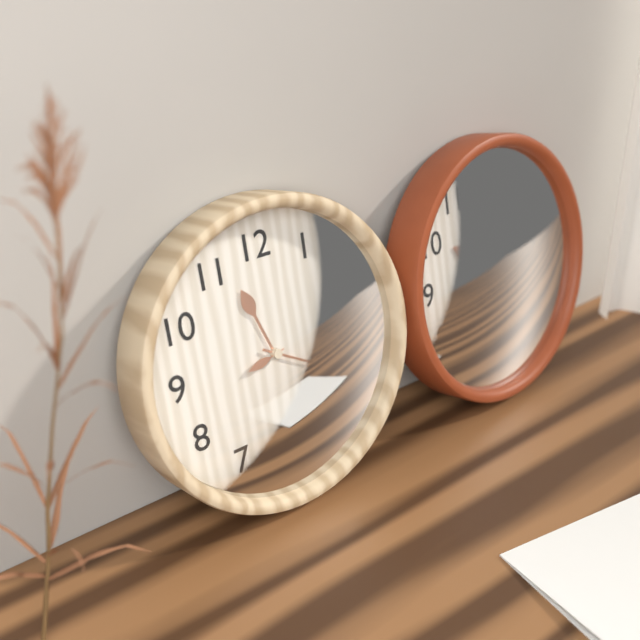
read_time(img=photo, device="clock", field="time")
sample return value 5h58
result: 11h20
